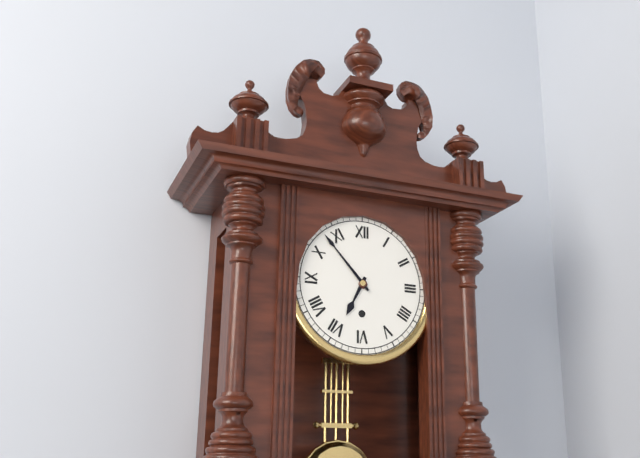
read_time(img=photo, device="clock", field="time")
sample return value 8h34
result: 6h53
